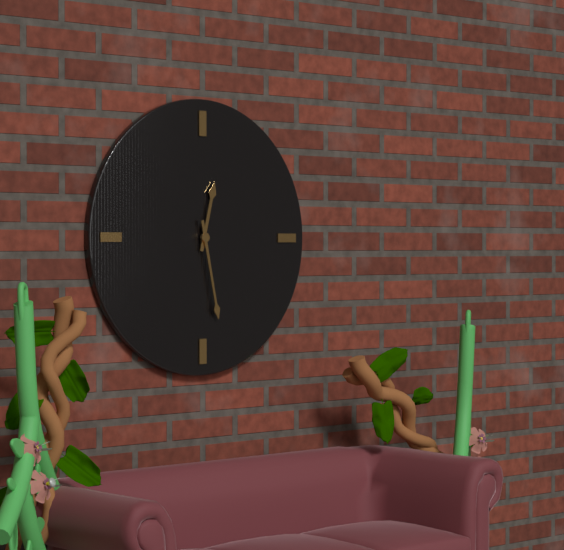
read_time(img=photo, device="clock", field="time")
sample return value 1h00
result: 12h28
